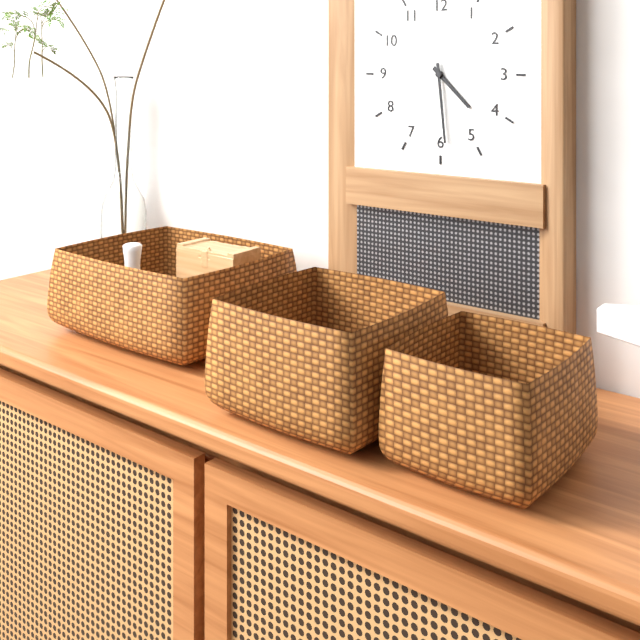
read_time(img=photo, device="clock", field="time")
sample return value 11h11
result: 4h29
